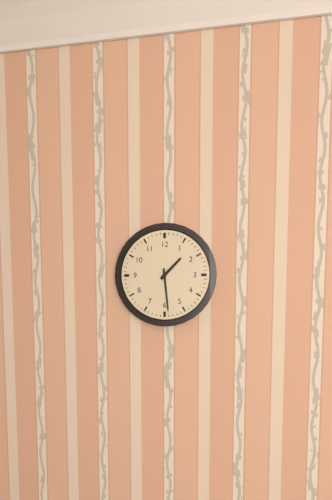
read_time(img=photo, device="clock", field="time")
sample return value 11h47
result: 1h29
